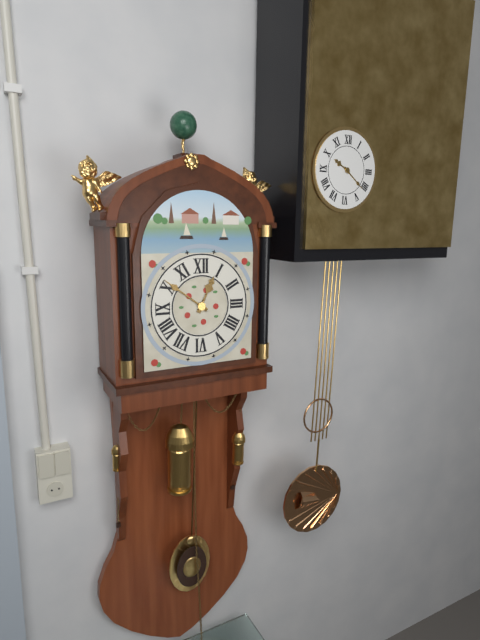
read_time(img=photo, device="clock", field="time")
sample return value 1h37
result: 12h51
